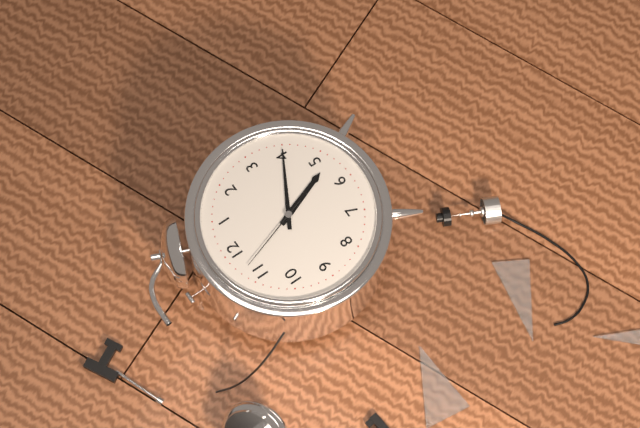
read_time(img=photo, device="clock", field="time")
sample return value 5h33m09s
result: 5h20m57s
